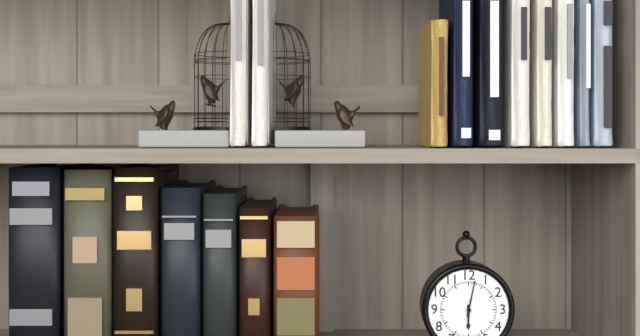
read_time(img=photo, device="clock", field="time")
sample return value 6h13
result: 6h02
